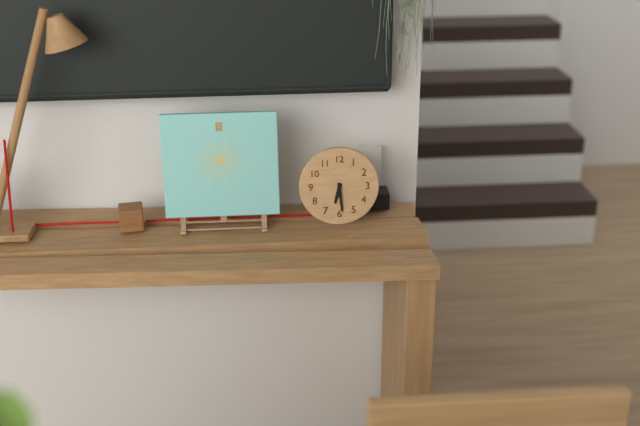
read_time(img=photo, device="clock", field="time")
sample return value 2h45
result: 6h29
